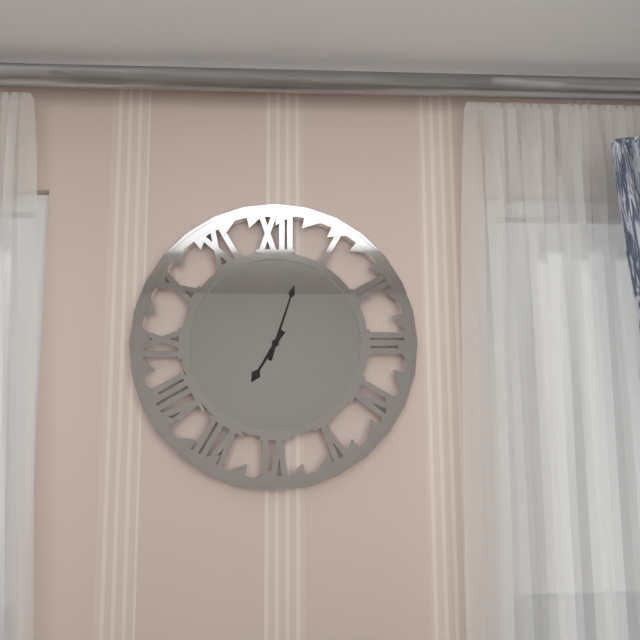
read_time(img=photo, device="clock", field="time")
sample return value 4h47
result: 7h03
